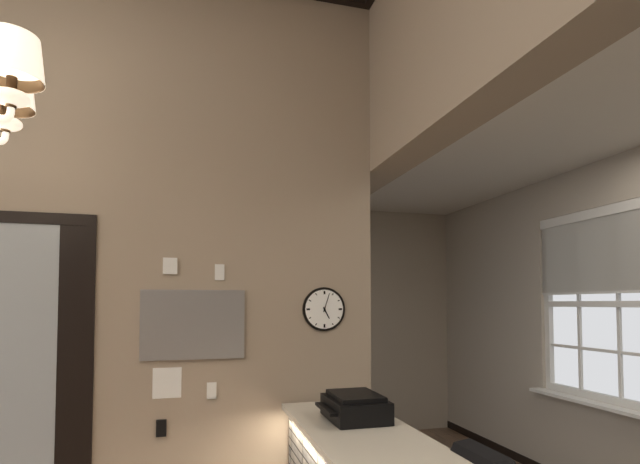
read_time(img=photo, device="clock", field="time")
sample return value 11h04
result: 5h03
